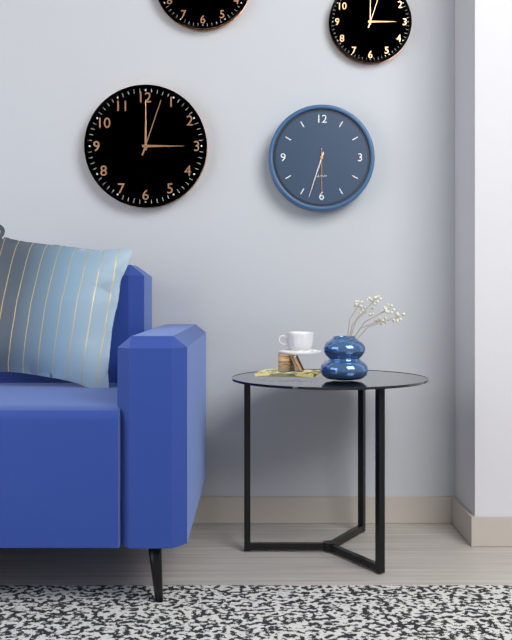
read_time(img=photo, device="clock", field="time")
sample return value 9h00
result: 6h33
